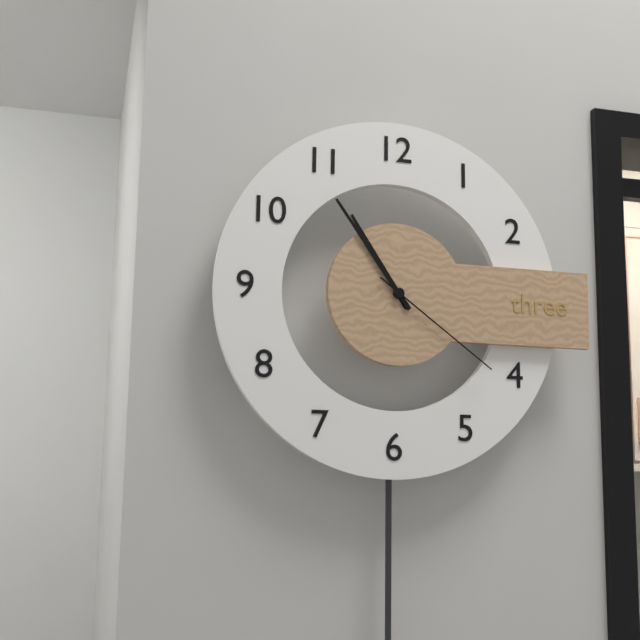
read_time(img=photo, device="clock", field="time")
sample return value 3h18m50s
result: 10h54m21s
